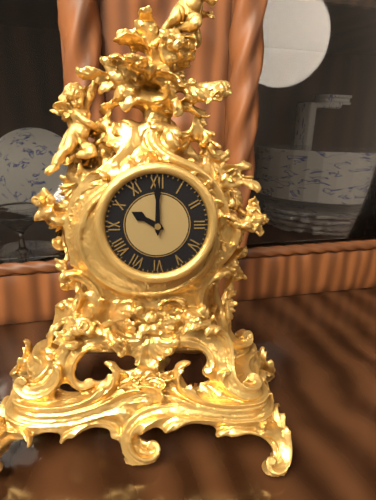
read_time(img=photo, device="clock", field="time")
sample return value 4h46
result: 10h00
